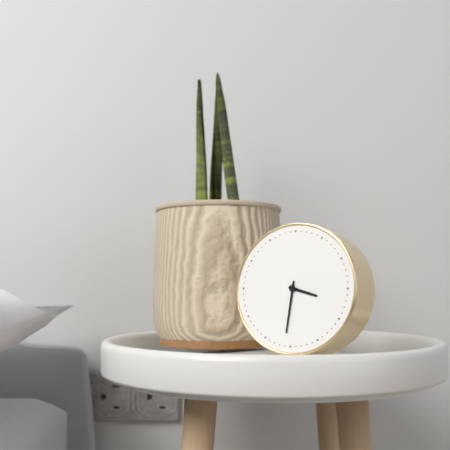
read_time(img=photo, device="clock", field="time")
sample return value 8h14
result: 3h31
